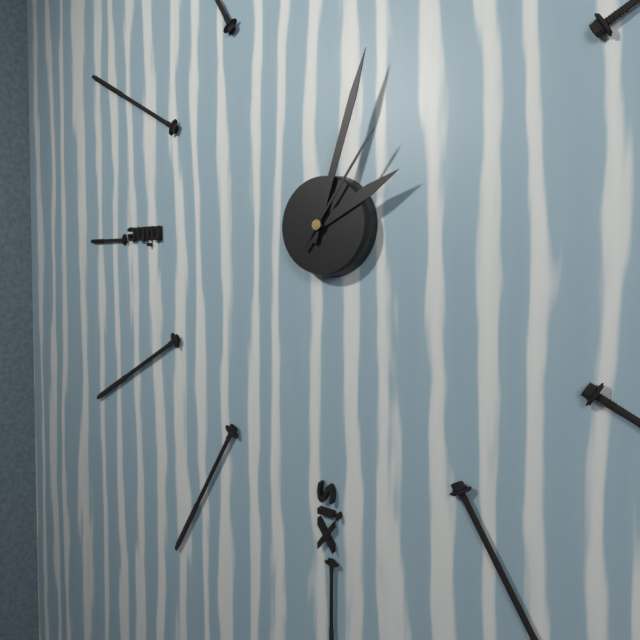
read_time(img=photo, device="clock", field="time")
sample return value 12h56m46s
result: 2h03m06s
